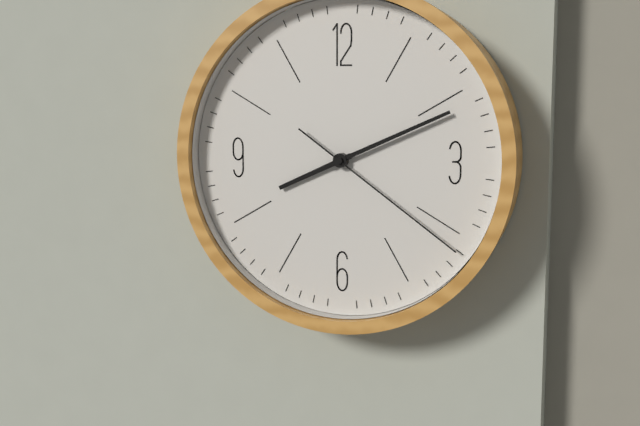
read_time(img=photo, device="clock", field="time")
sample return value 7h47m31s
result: 8h11m21s
